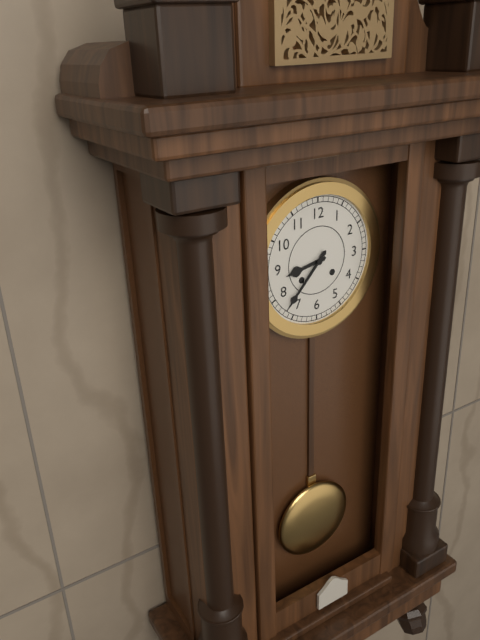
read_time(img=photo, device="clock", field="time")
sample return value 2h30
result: 8h37
